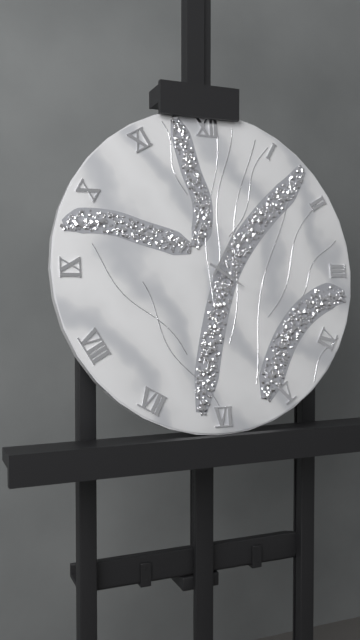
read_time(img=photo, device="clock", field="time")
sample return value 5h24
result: 4h05
